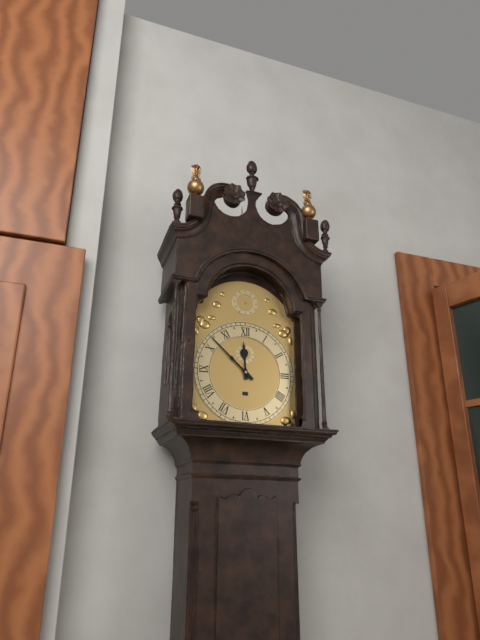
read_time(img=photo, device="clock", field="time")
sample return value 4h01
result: 11h52
